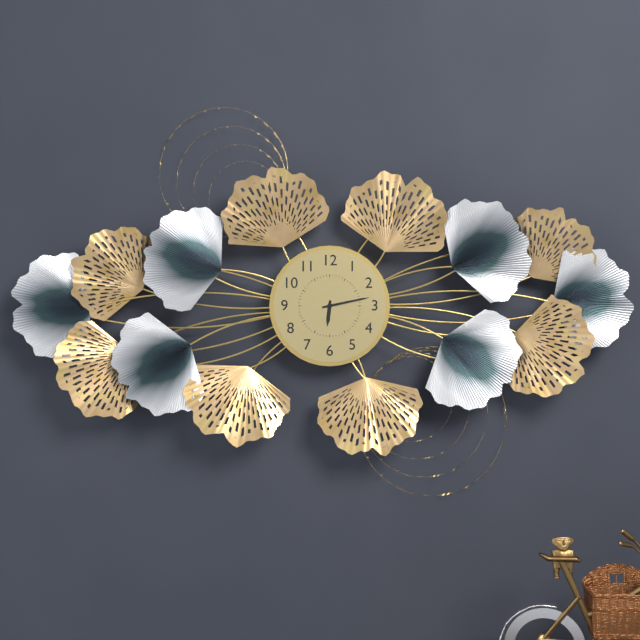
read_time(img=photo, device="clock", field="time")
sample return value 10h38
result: 6h13
